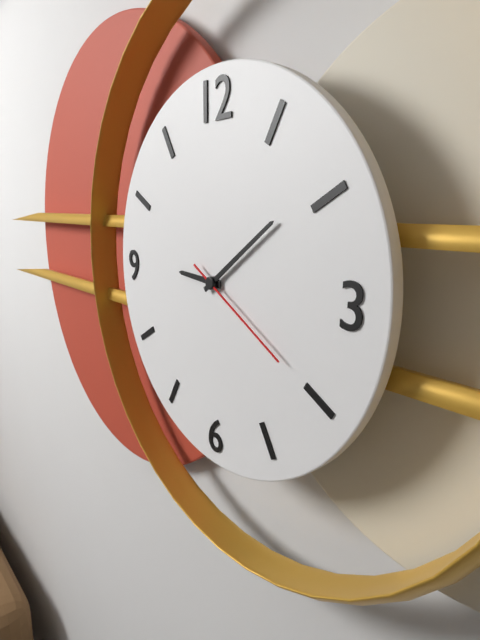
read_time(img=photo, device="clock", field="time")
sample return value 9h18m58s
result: 9h09m20s
